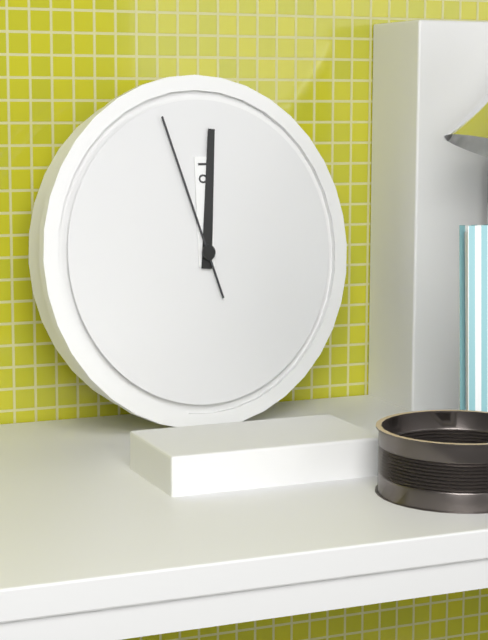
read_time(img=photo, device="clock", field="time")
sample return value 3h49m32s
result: 12h01m57s
